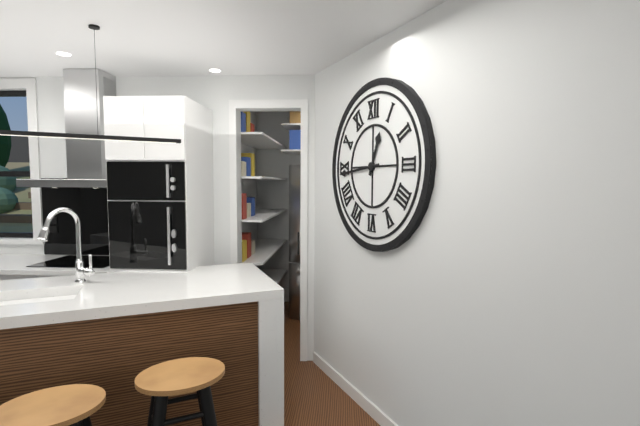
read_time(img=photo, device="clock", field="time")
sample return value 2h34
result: 12h44
